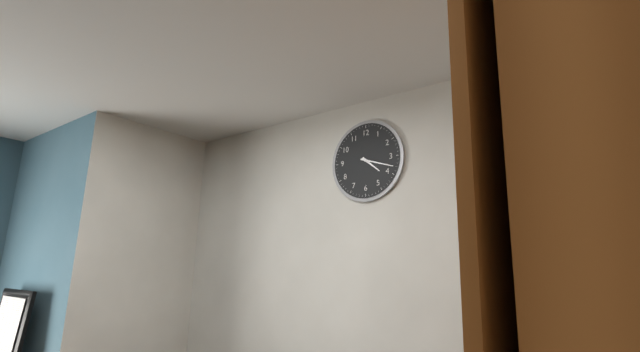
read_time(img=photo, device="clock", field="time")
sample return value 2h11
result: 4h18
